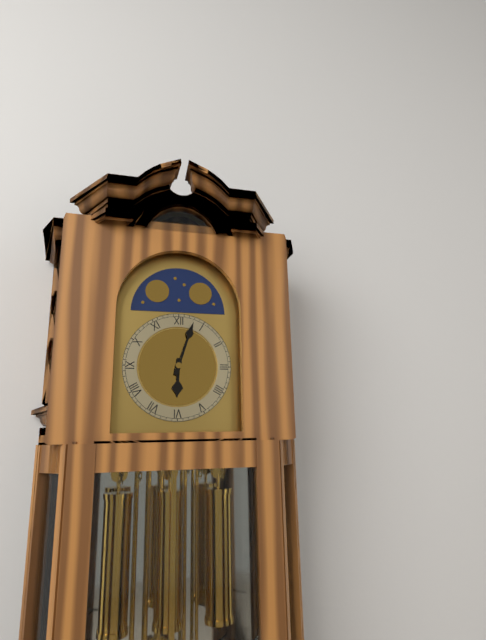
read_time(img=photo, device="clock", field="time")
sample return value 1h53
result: 6h03
